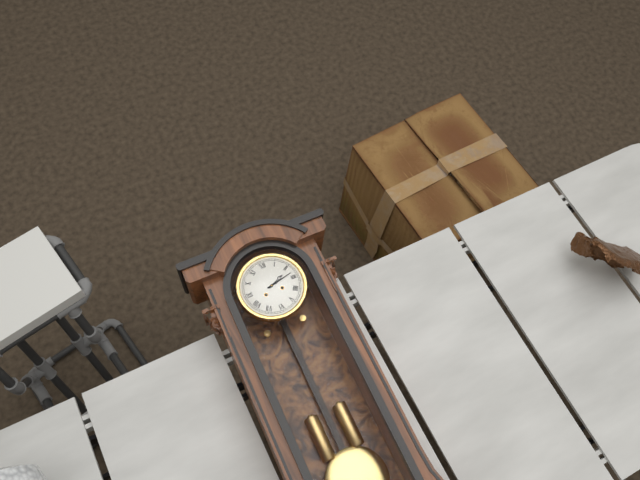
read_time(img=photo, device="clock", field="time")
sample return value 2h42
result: 2h13
